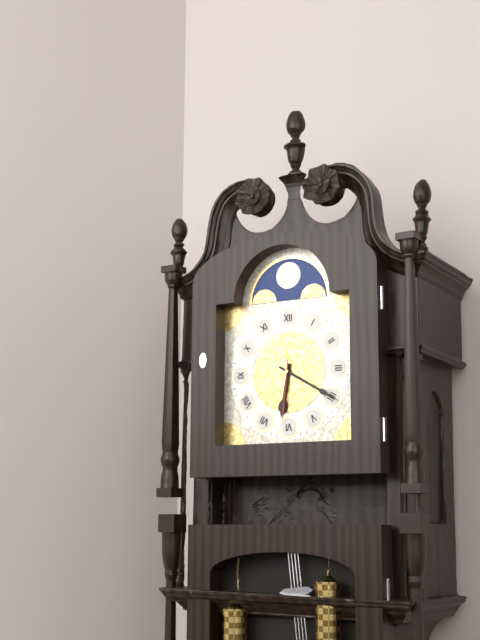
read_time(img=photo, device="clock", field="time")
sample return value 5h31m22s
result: 6h20m31s
